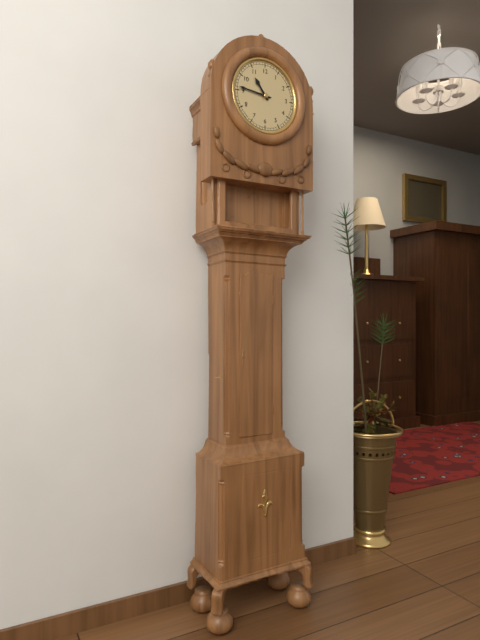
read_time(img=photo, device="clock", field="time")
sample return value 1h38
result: 10h46
